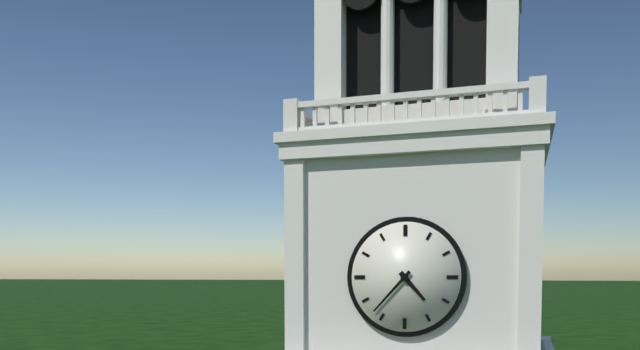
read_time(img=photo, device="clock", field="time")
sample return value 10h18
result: 4h37
